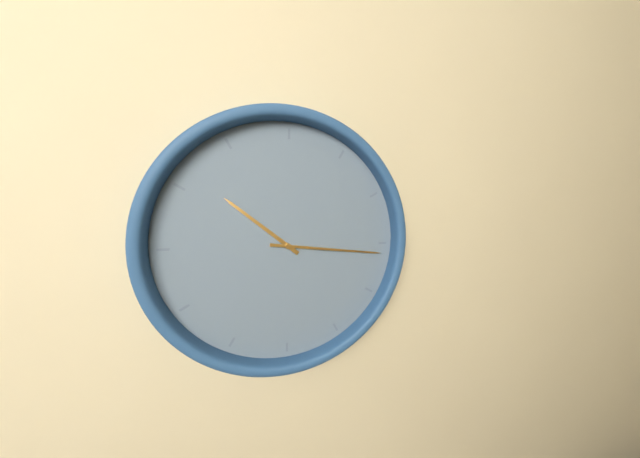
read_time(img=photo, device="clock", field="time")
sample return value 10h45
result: 10h16
